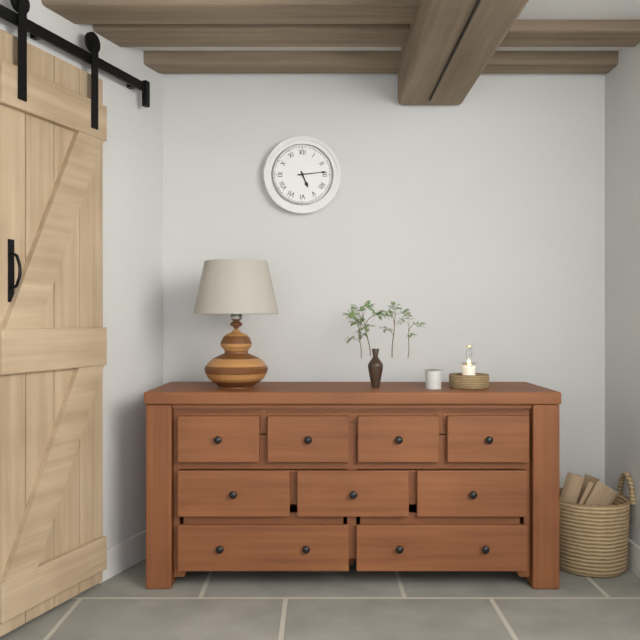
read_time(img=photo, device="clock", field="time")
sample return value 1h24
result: 5h14
